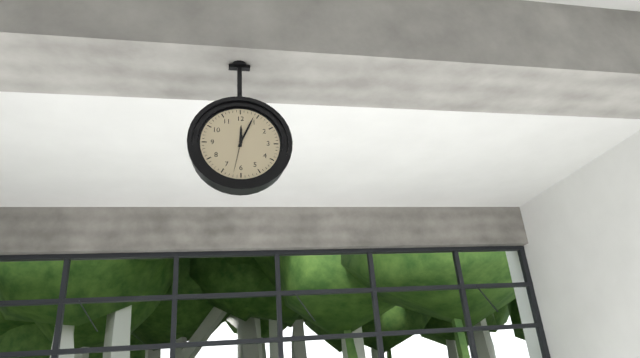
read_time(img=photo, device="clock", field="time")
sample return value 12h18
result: 12h04
